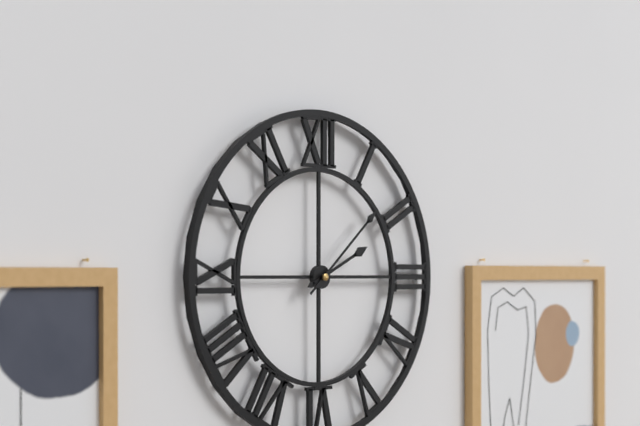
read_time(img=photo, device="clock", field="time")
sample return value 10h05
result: 2h08
